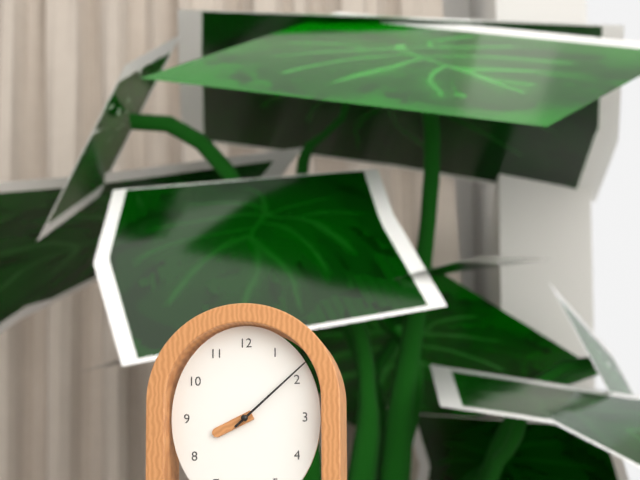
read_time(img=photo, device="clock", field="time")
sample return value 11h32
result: 8h08
